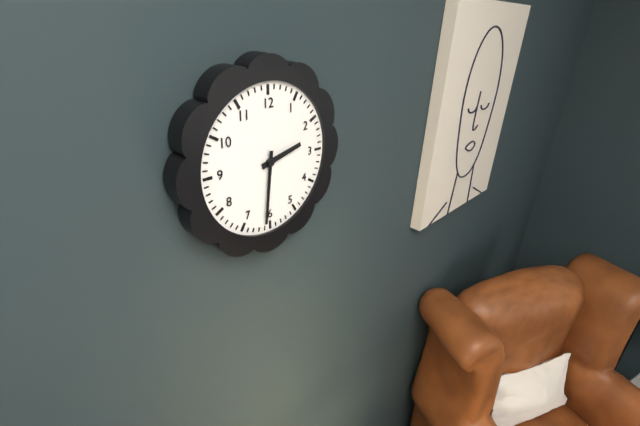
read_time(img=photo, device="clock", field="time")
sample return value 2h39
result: 2h31
